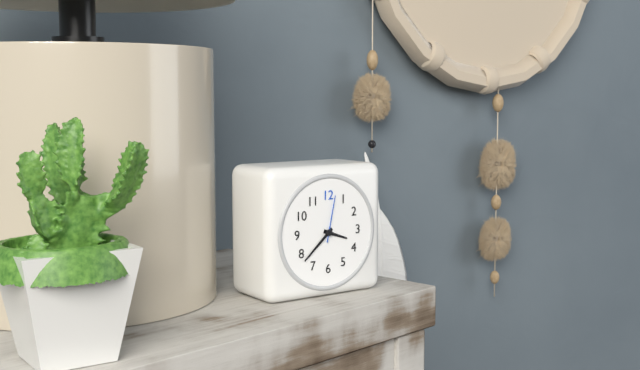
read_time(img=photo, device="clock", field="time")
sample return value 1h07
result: 3h38
